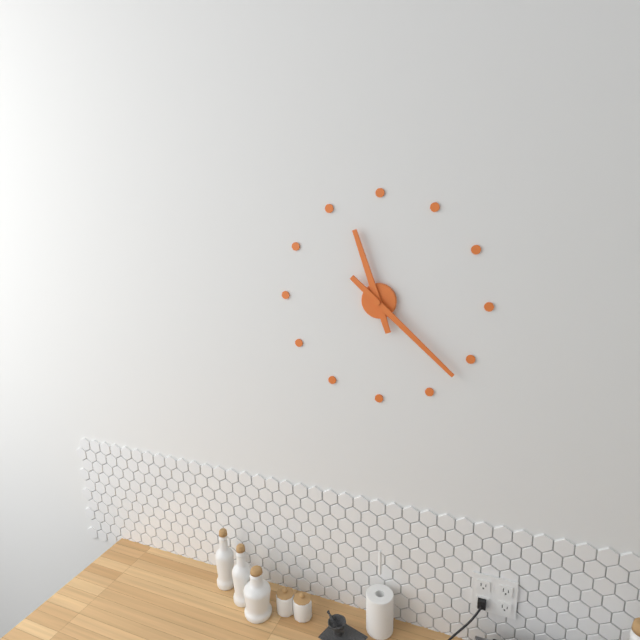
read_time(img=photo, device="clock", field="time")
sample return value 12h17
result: 11h22
